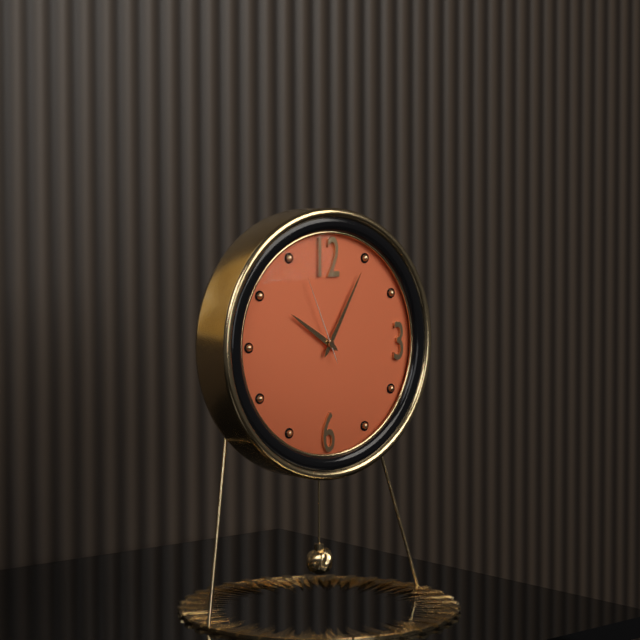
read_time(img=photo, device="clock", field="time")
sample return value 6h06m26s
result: 10h05m56s
